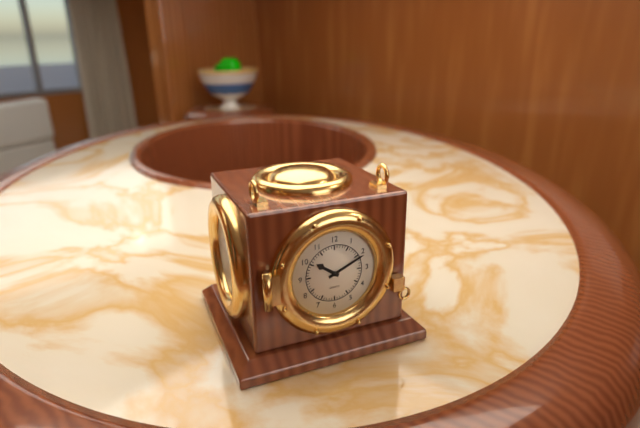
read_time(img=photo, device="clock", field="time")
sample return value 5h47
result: 10h11
